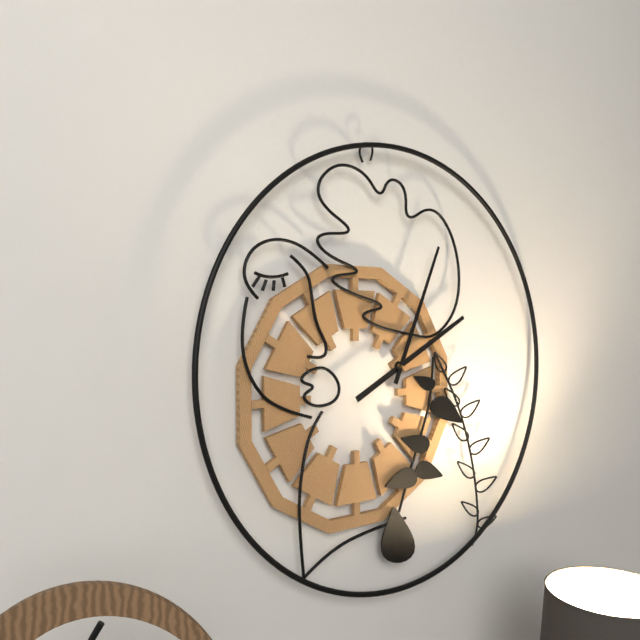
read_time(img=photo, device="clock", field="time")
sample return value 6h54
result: 2h04
